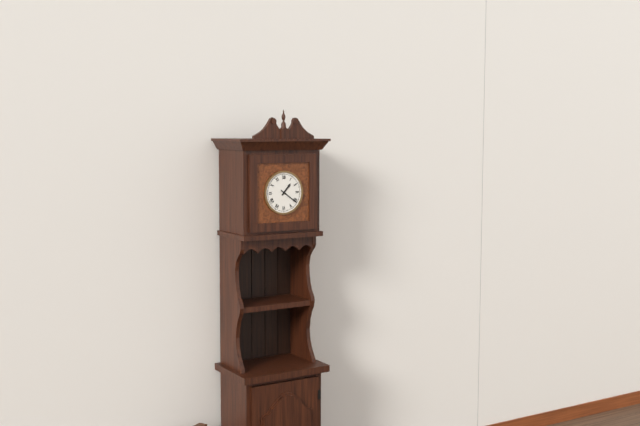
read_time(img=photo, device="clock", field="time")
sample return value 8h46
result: 1h21
